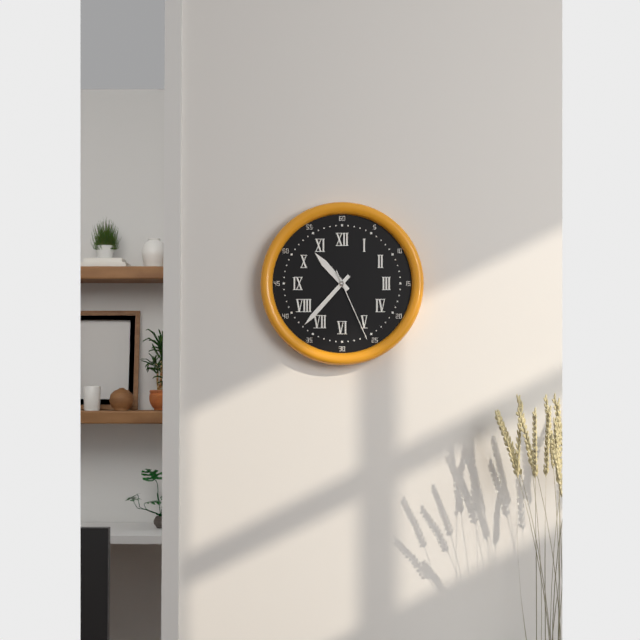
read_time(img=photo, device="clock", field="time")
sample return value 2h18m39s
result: 10h37m26s
